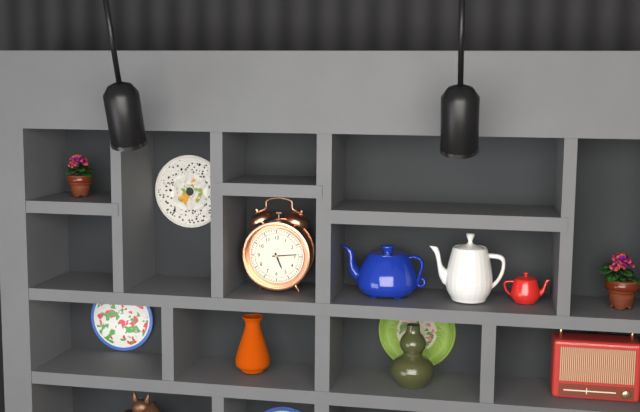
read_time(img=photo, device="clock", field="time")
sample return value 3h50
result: 5h14
